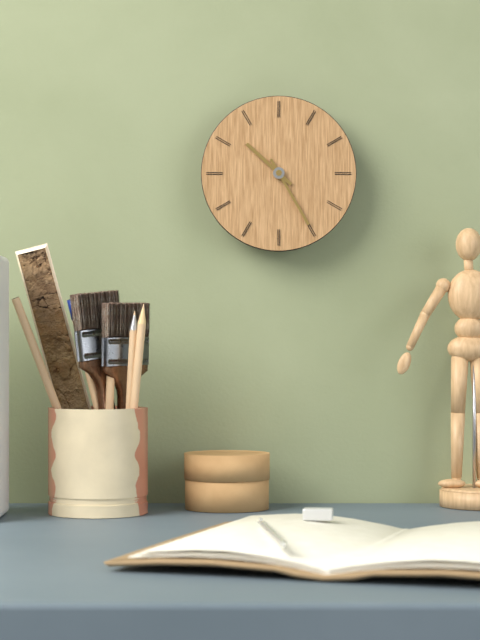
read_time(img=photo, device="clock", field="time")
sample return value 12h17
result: 10h25
